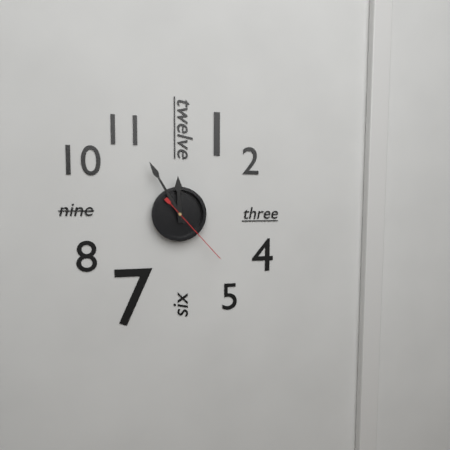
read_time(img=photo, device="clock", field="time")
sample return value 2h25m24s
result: 11h55m23s
